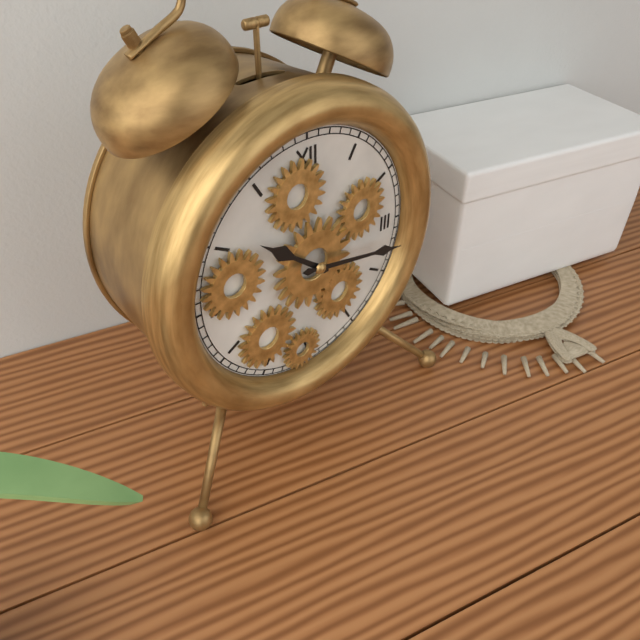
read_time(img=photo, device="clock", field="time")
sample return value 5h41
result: 10h17
